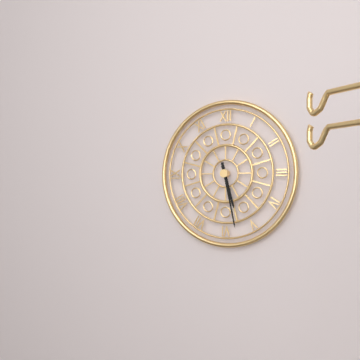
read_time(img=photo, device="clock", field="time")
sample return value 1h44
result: 5h28
